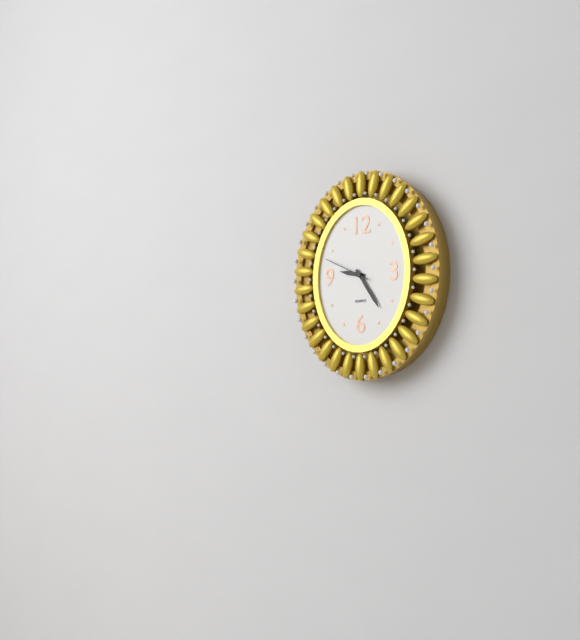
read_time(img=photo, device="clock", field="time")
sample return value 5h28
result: 9h24
